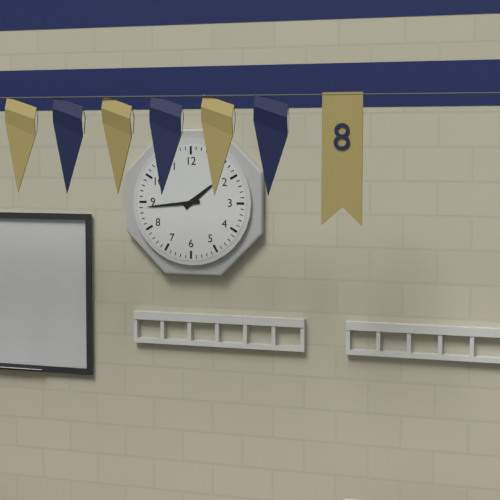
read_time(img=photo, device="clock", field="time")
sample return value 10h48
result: 1h44
